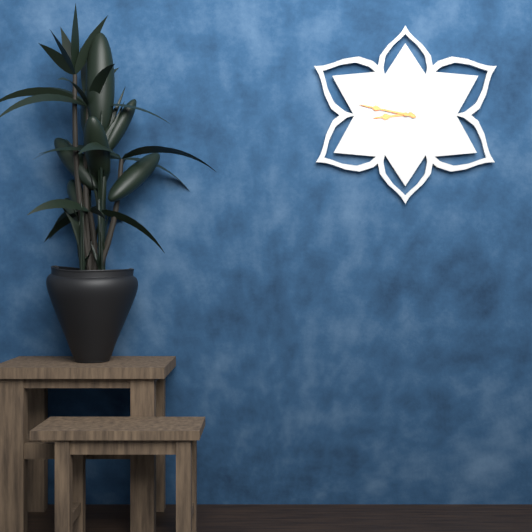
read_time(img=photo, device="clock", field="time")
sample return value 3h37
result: 8h47
